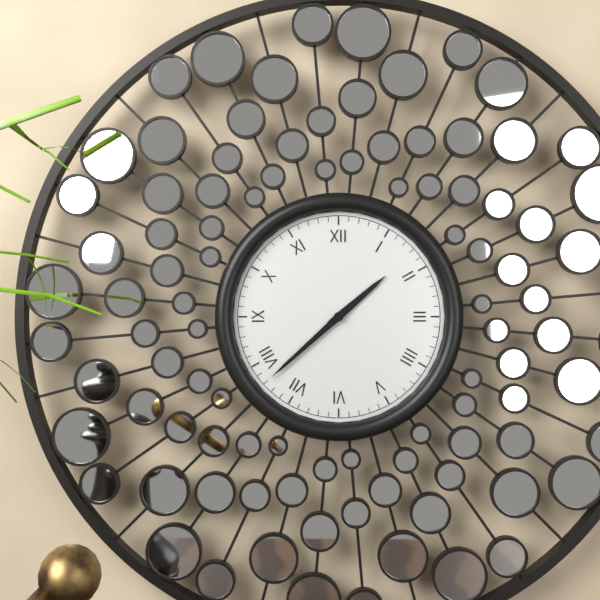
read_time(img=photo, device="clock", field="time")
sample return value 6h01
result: 1h38
